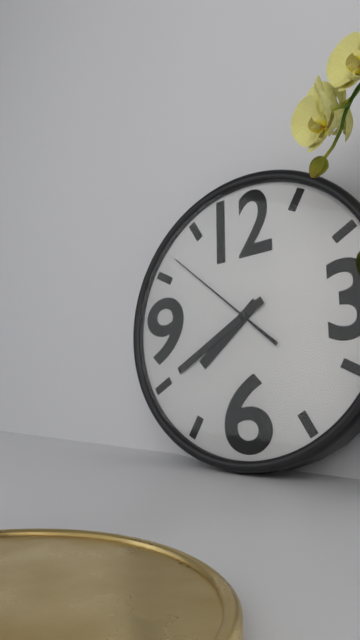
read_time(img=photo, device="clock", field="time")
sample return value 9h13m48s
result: 7h40m52s
